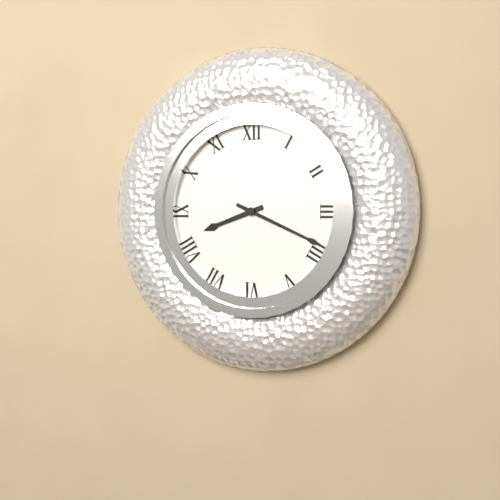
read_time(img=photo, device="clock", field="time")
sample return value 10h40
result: 8h19
